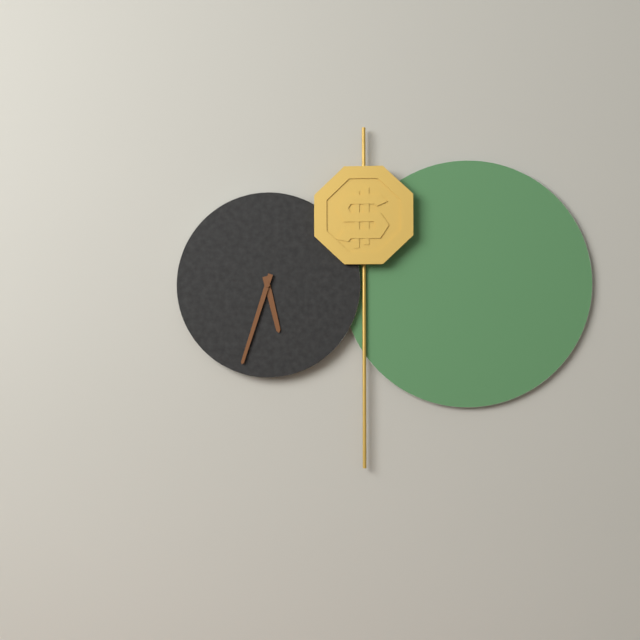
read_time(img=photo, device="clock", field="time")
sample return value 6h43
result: 5h33
